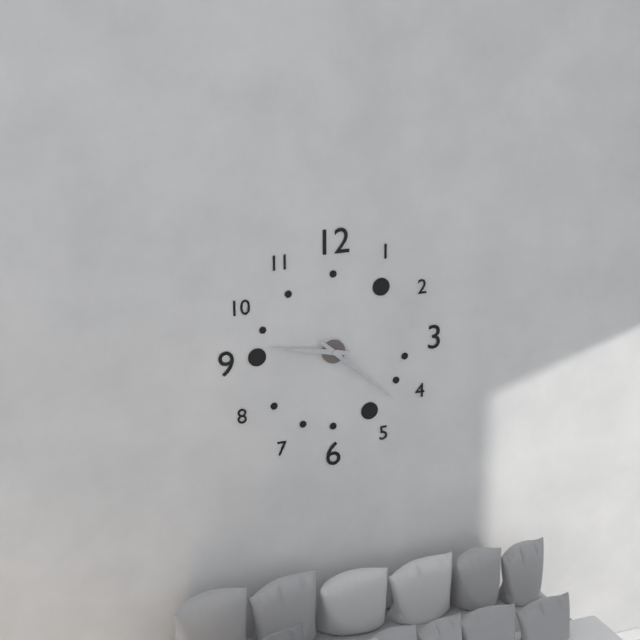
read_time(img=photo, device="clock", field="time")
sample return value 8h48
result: 9h22
